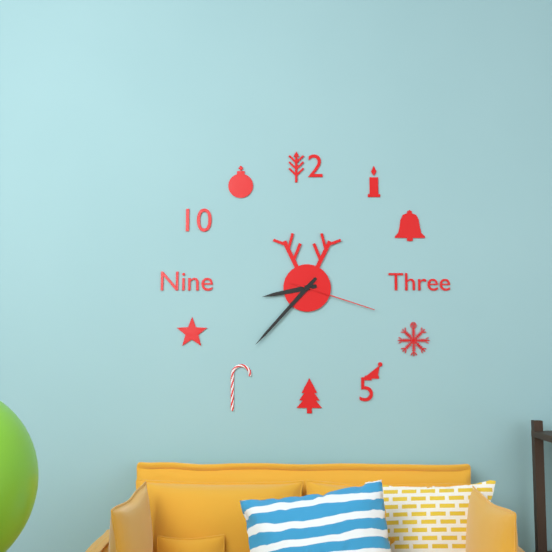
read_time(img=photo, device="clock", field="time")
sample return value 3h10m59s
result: 8h37m18s
